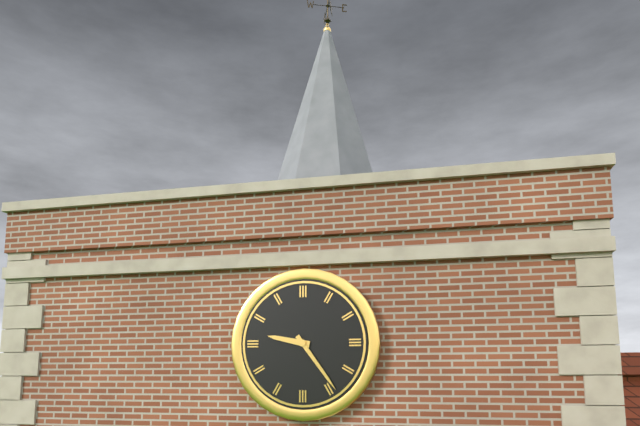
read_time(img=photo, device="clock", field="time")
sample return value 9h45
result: 9h24
